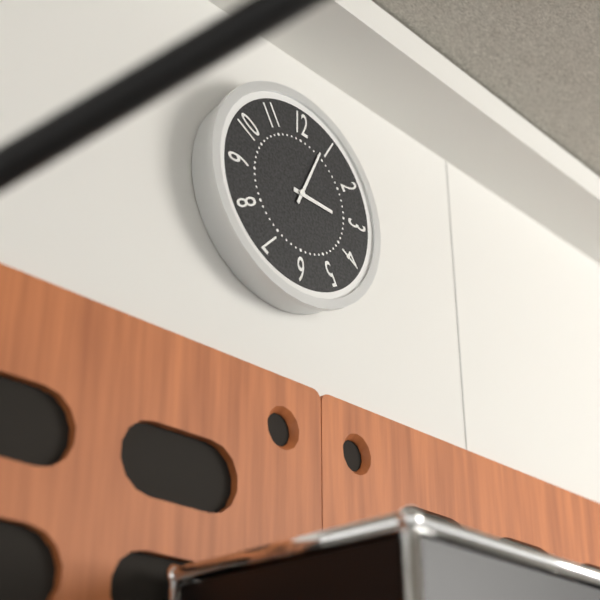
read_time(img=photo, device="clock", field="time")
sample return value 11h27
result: 3h04
